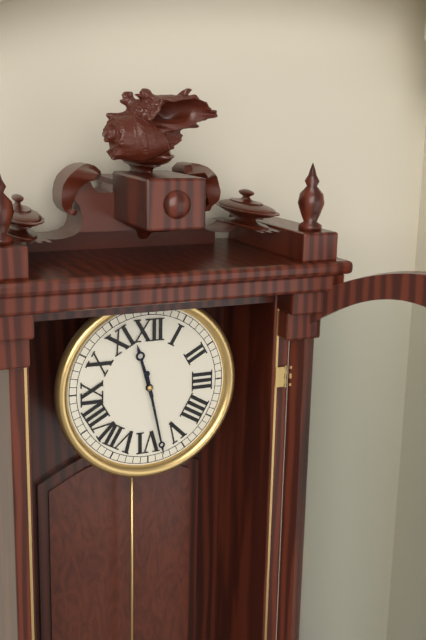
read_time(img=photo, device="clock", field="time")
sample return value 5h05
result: 11h28
